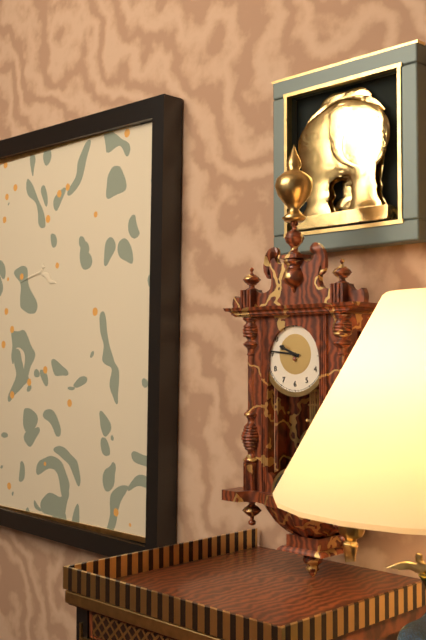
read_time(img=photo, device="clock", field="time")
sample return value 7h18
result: 9h46
